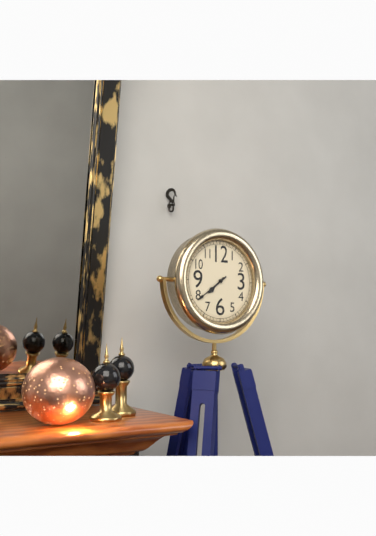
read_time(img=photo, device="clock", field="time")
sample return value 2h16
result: 7h39
